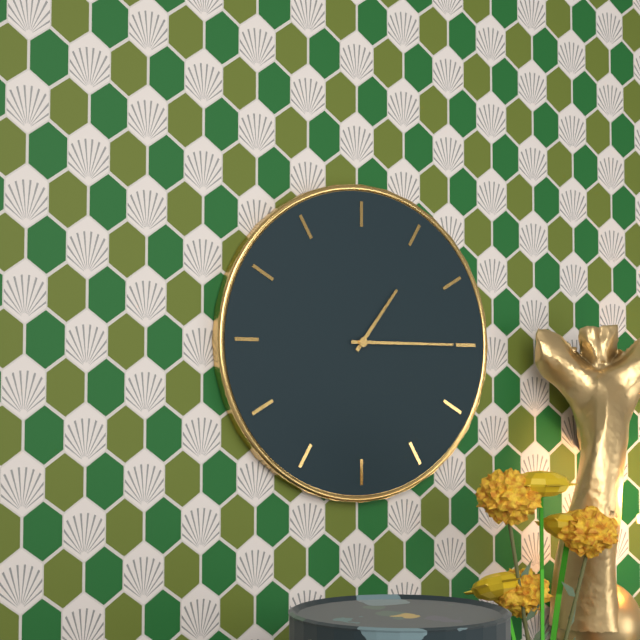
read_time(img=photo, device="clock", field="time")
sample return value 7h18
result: 1h15
